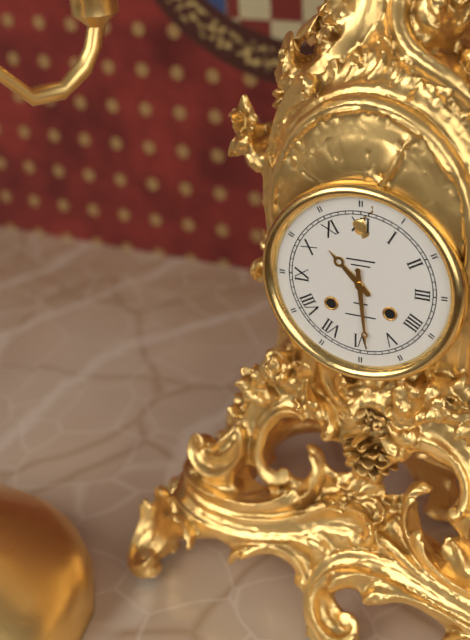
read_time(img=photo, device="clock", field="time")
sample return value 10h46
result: 10h29
